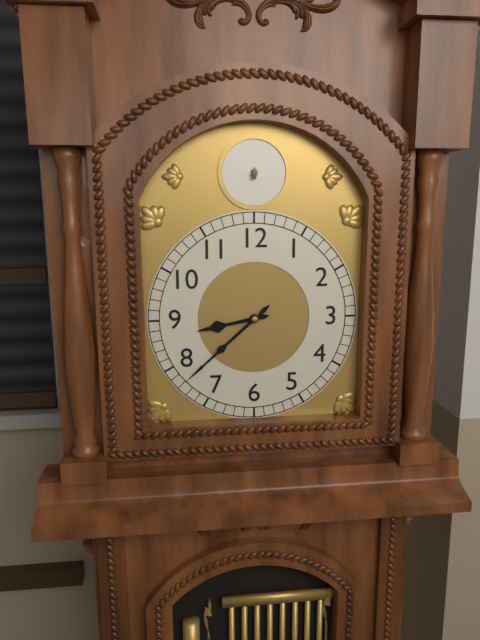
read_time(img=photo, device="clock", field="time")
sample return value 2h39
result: 8h38
